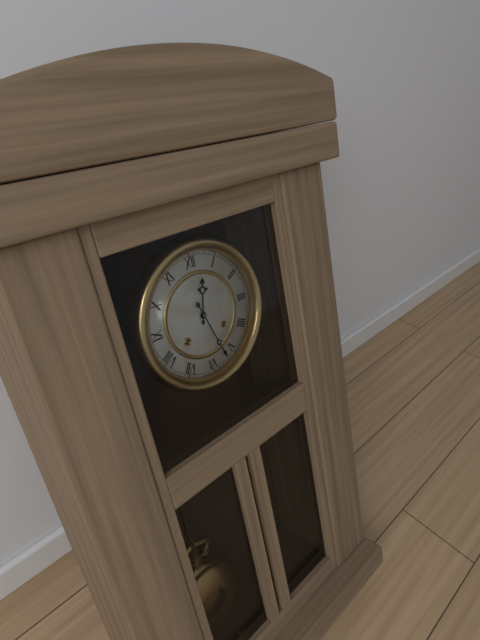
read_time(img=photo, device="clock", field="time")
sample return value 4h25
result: 12h27
